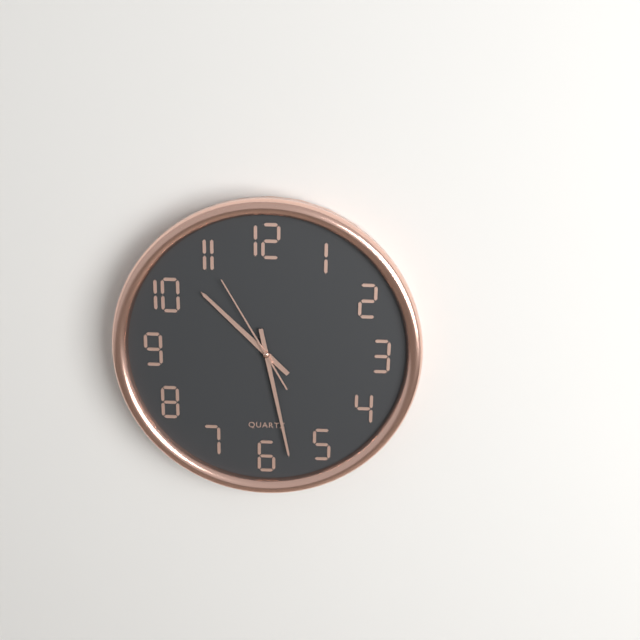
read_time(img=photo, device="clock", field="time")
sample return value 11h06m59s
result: 10h28m55s
